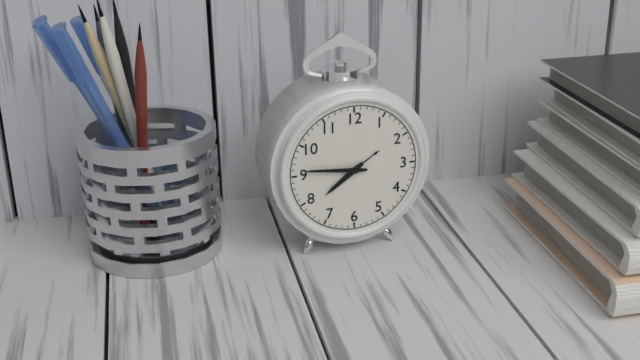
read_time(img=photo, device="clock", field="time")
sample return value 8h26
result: 7h46
